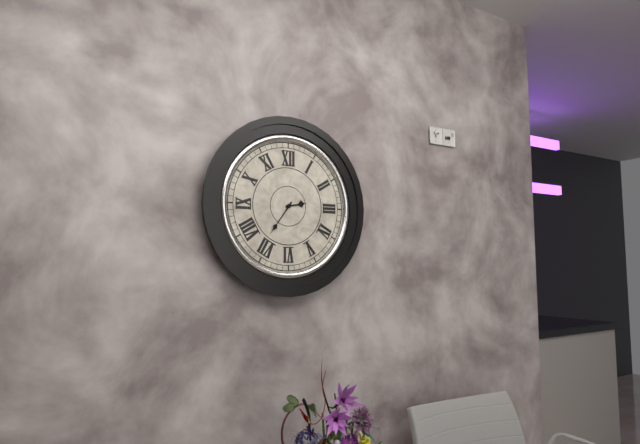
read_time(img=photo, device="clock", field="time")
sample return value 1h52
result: 2h36
